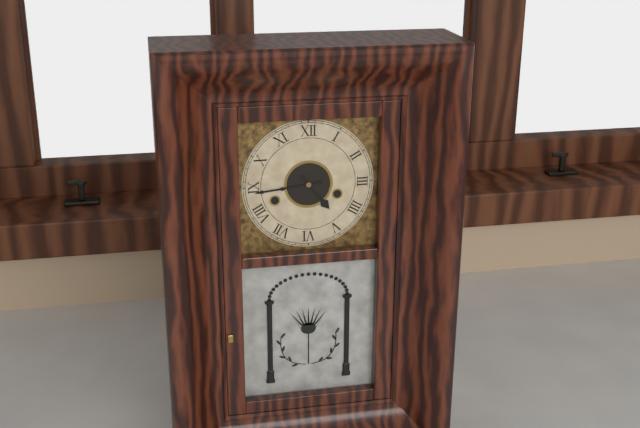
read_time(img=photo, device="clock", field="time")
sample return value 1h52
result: 4h44
